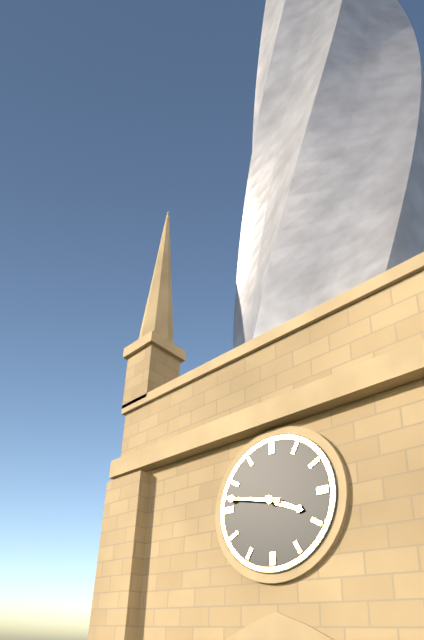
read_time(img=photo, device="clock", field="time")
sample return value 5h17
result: 3h47
